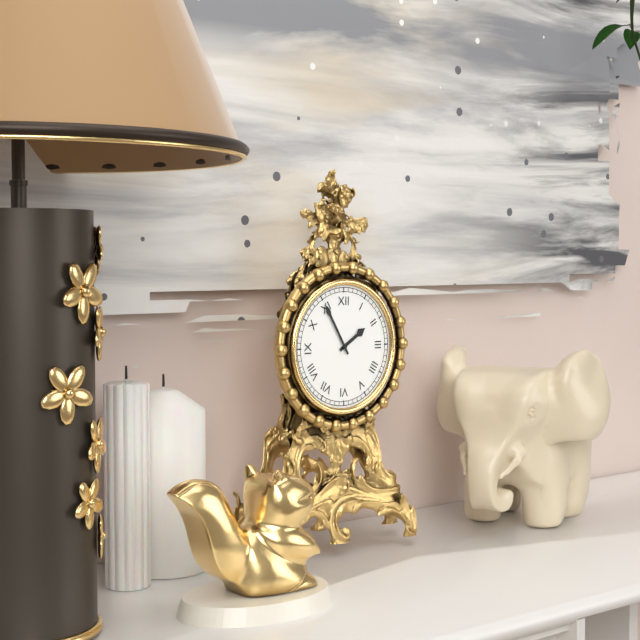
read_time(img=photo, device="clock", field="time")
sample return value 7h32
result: 1h55
